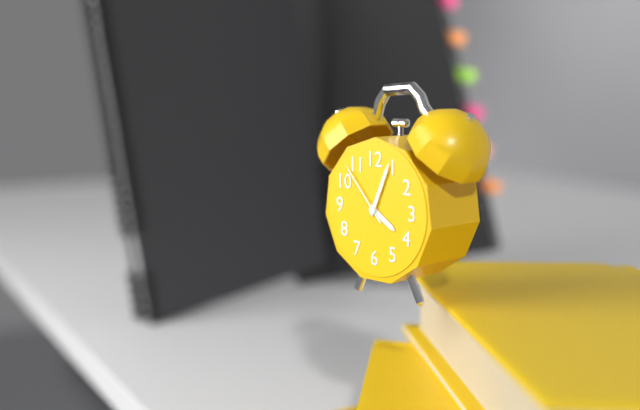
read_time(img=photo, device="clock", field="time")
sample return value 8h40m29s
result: 4h04m53s
